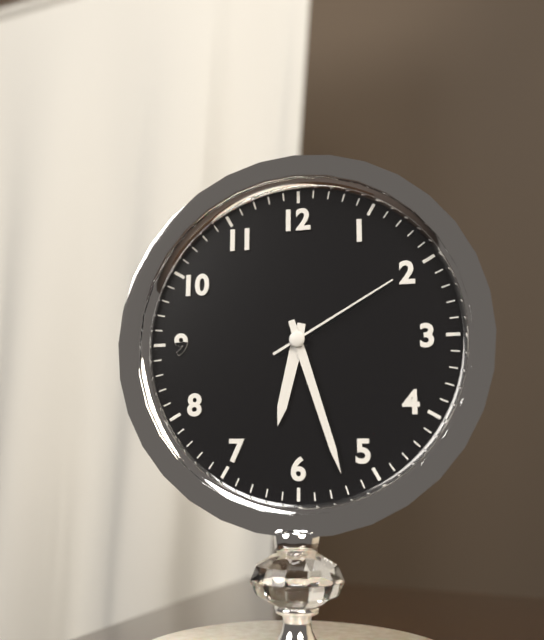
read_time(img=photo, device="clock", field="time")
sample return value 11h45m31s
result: 6h27m10s
